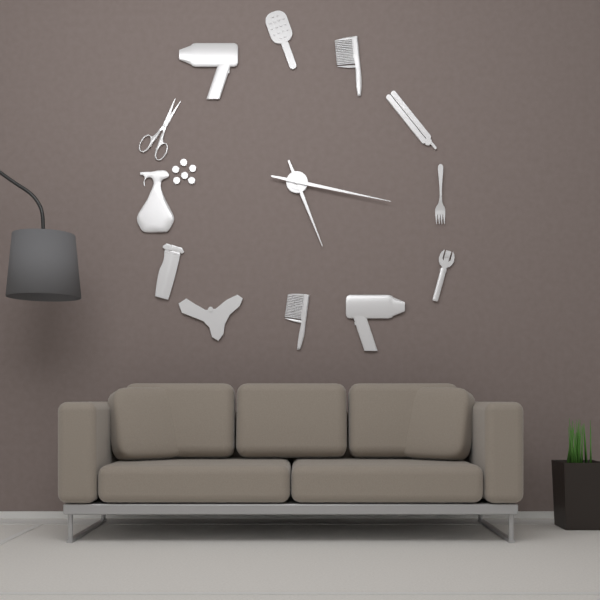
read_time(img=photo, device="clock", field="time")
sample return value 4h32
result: 5h17
